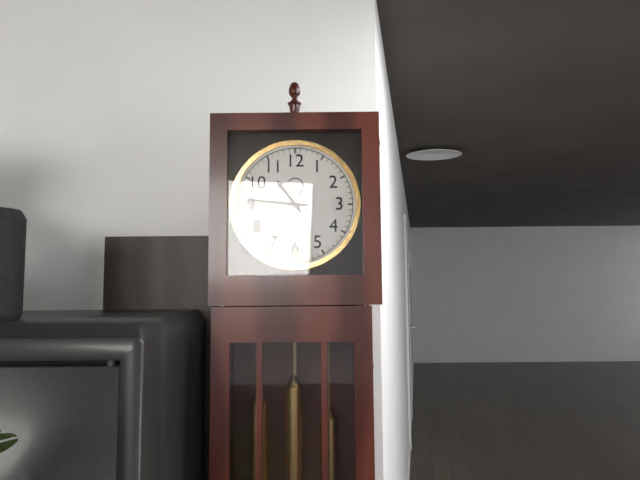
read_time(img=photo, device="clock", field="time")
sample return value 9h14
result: 10h46
